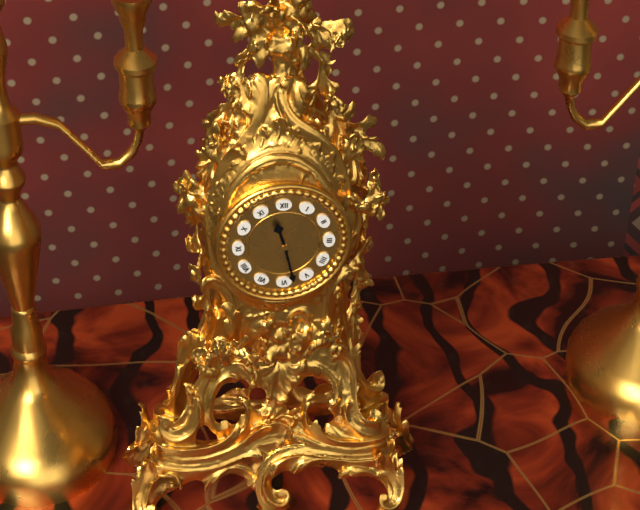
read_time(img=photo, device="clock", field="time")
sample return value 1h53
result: 11h28
